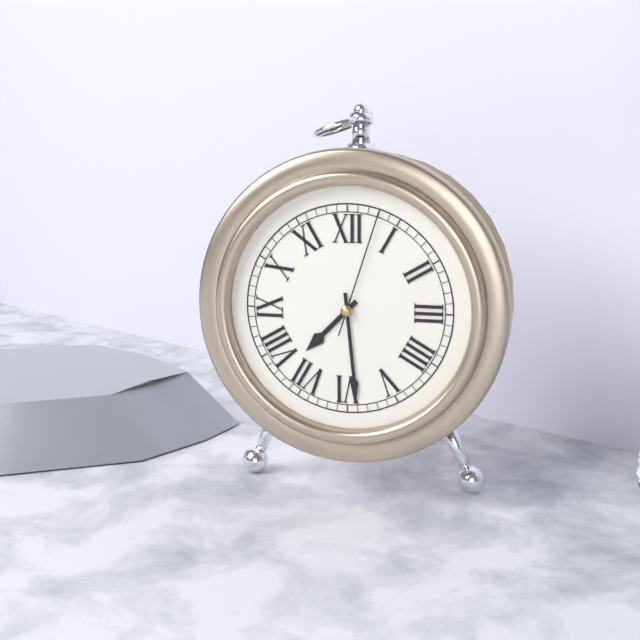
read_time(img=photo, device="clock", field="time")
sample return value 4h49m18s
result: 7h29m03s
